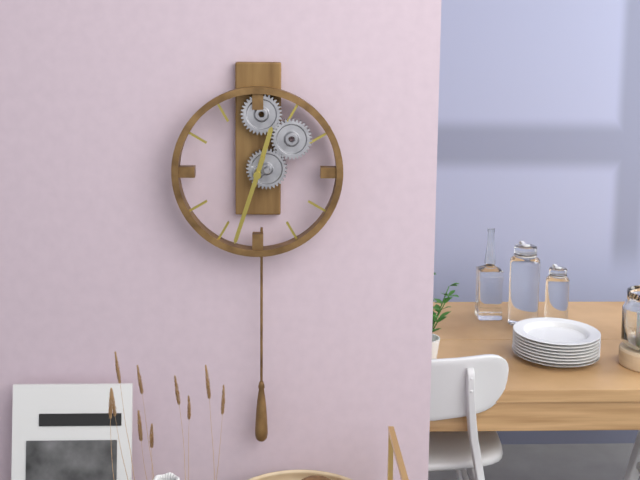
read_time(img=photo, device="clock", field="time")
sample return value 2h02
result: 12h33
